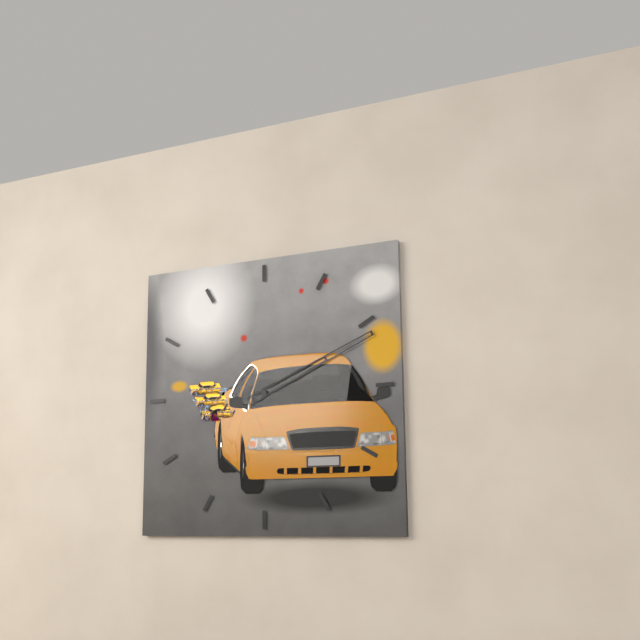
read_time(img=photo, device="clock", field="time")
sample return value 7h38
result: 2h11
